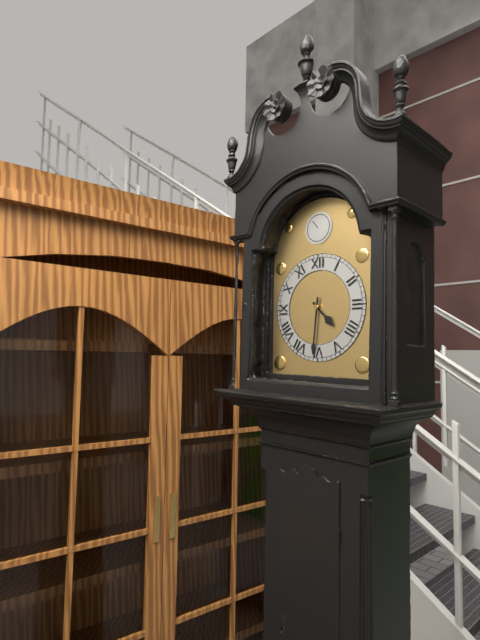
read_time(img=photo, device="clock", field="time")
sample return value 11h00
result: 4h31
